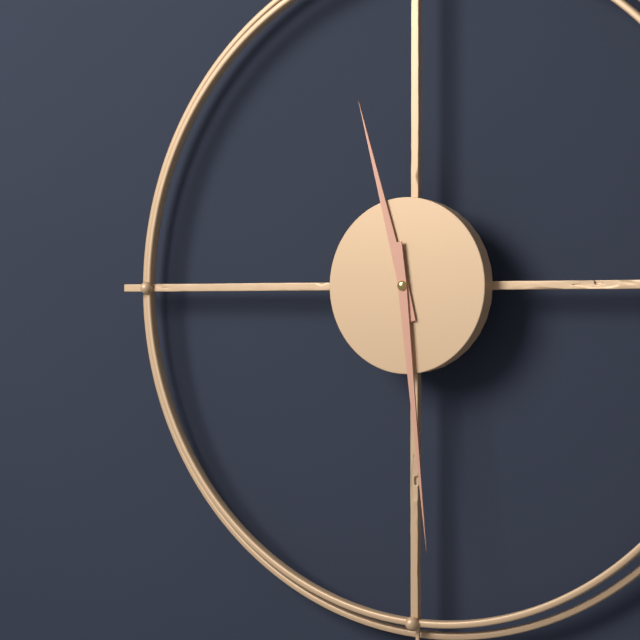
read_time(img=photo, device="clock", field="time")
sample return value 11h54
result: 11h29
